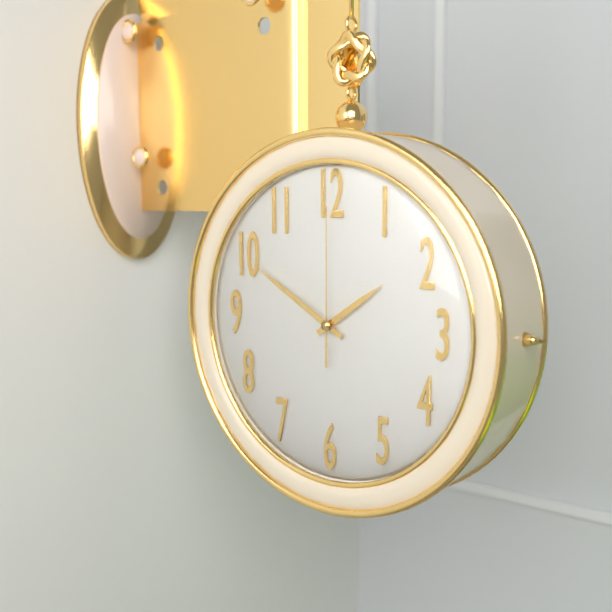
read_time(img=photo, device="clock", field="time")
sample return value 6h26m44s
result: 1h50m00s
